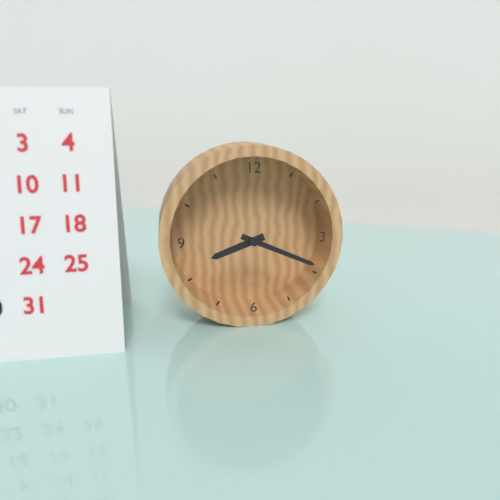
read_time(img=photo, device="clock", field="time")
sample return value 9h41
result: 8h19
